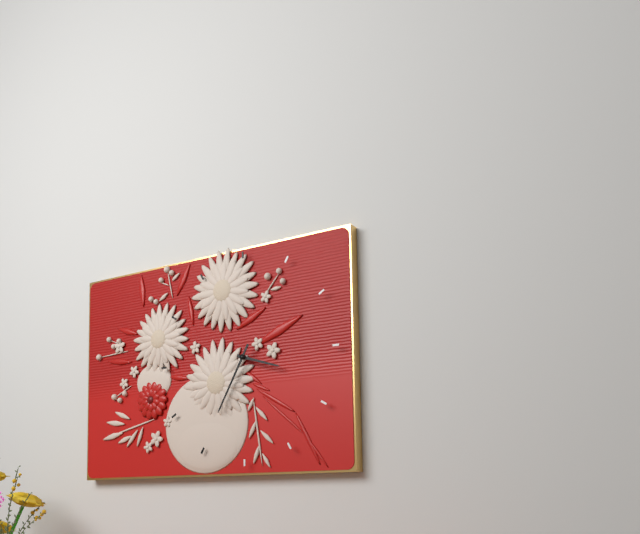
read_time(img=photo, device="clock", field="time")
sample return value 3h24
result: 3h35
